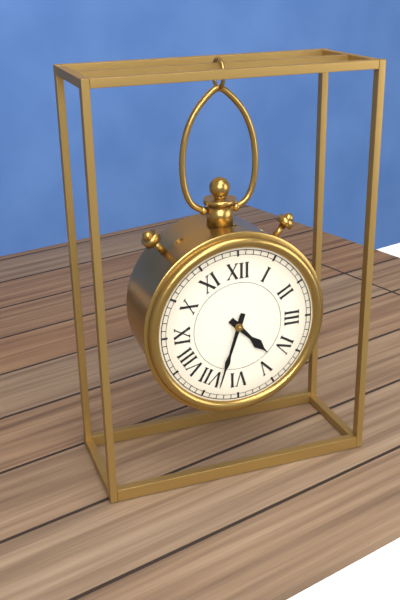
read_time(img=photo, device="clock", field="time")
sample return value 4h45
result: 4h33
